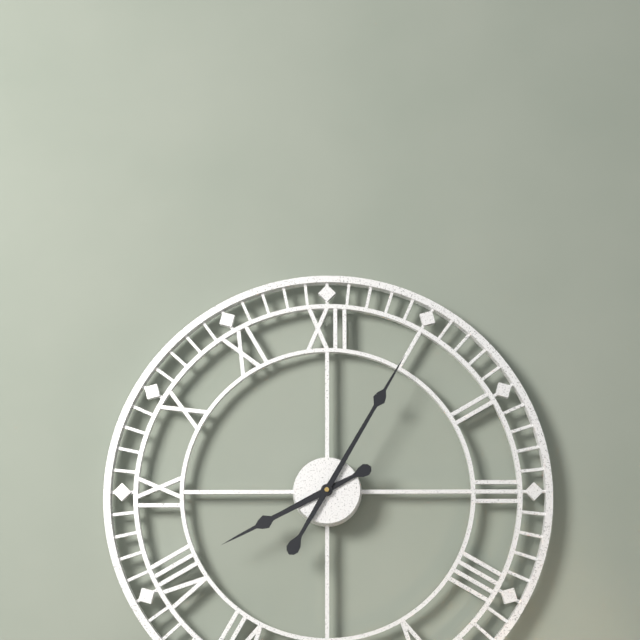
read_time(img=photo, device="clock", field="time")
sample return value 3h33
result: 8h05
